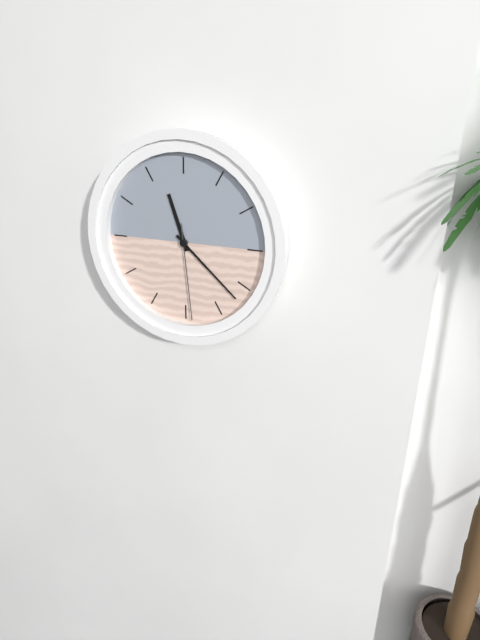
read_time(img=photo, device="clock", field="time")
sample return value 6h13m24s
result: 11h22m29s
